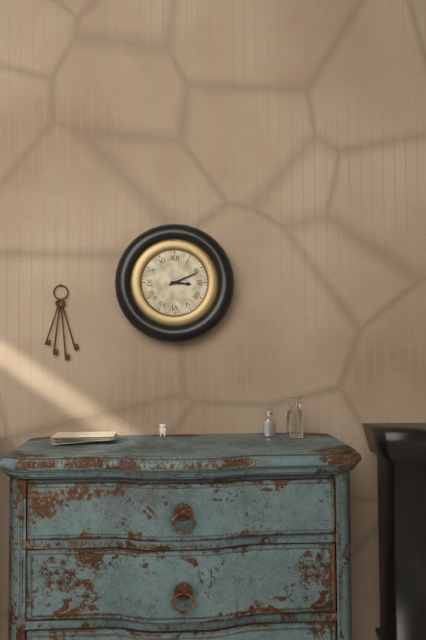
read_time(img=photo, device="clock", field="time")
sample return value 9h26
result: 3h11
